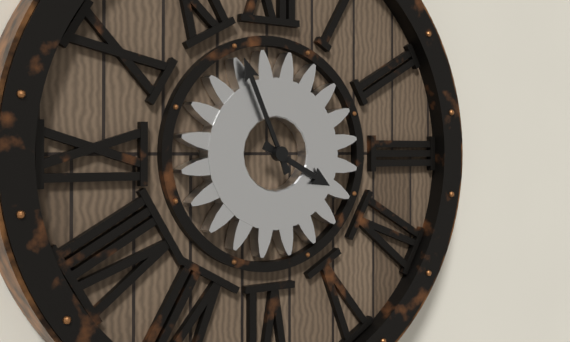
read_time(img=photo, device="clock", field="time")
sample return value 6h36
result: 3h56
